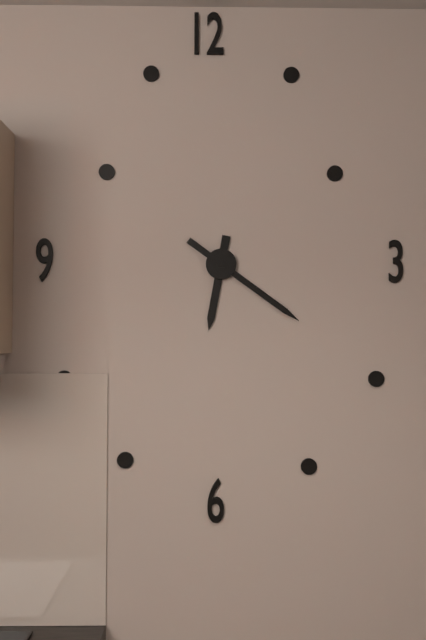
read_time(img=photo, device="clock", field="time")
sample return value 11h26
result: 6h21
